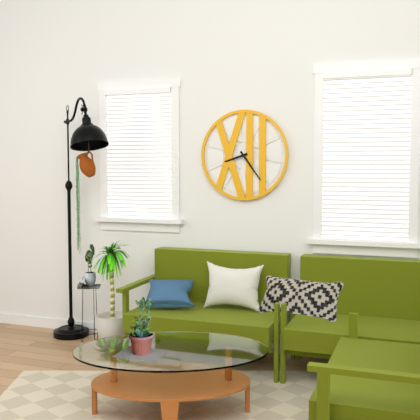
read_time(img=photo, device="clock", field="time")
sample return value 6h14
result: 8h24
